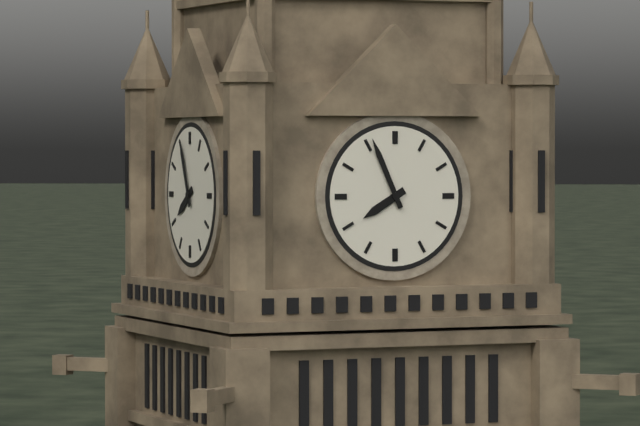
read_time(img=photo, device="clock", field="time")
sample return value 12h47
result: 7h56
